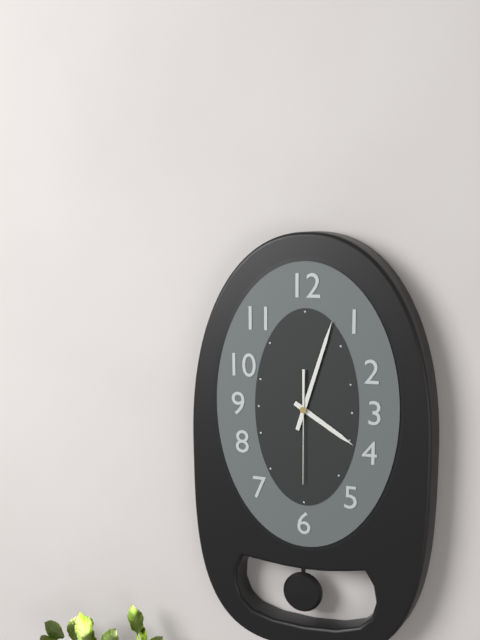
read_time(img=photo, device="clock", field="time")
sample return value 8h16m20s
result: 4h03m30s
